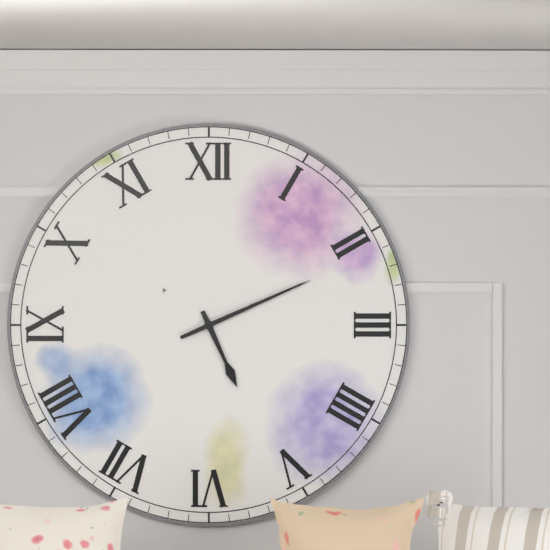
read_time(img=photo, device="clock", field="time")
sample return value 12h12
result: 5h11
